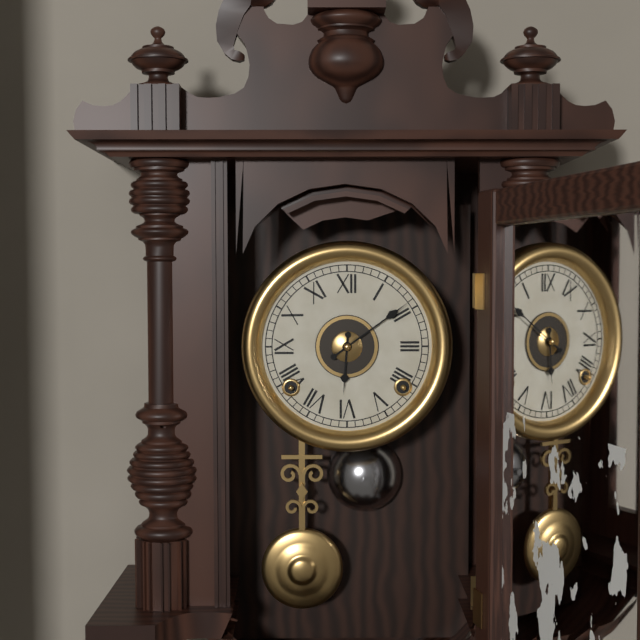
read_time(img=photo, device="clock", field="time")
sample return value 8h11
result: 6h09
